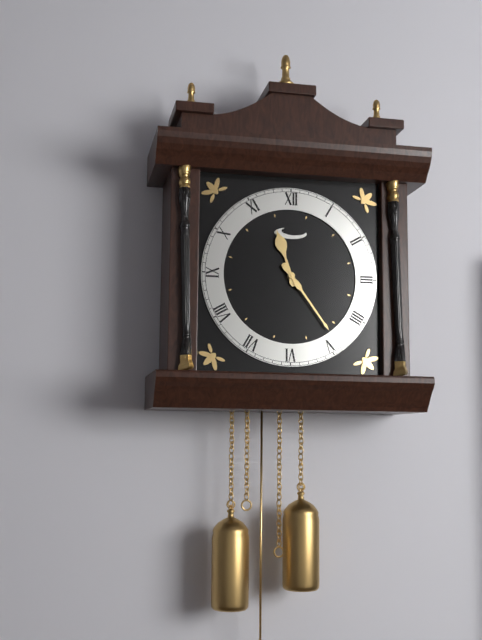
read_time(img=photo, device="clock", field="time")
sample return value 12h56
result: 11h24
